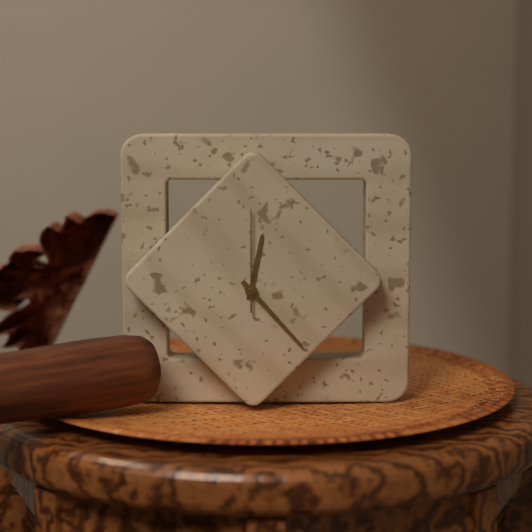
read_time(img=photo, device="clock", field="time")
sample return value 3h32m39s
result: 12h23m00s
